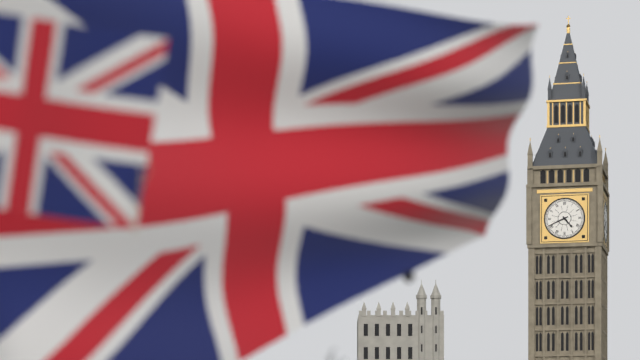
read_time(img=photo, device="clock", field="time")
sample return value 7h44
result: 4h41
